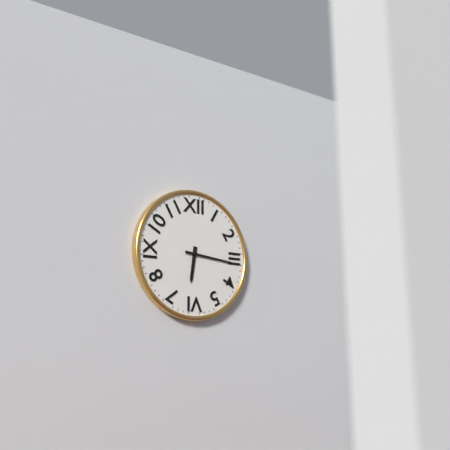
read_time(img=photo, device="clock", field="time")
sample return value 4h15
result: 6h16
